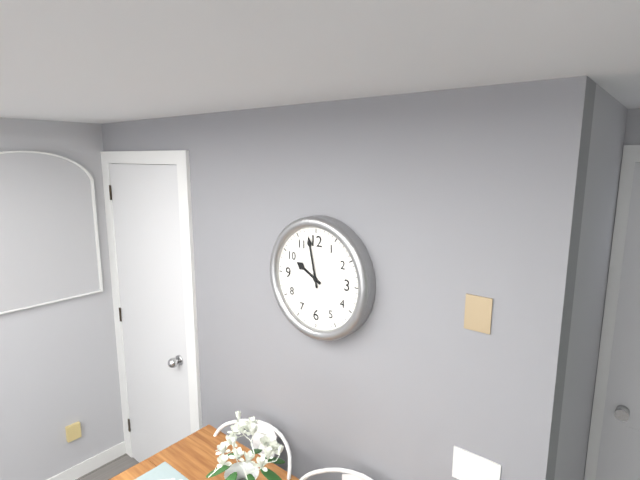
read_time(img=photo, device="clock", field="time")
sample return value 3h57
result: 9h58
